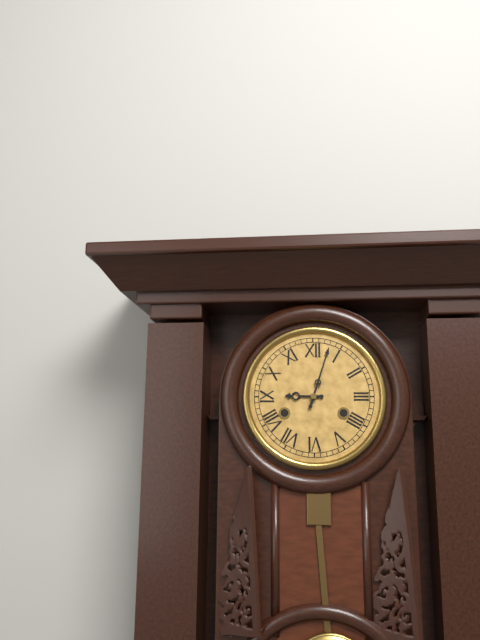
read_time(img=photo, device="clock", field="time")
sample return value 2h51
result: 9h03
